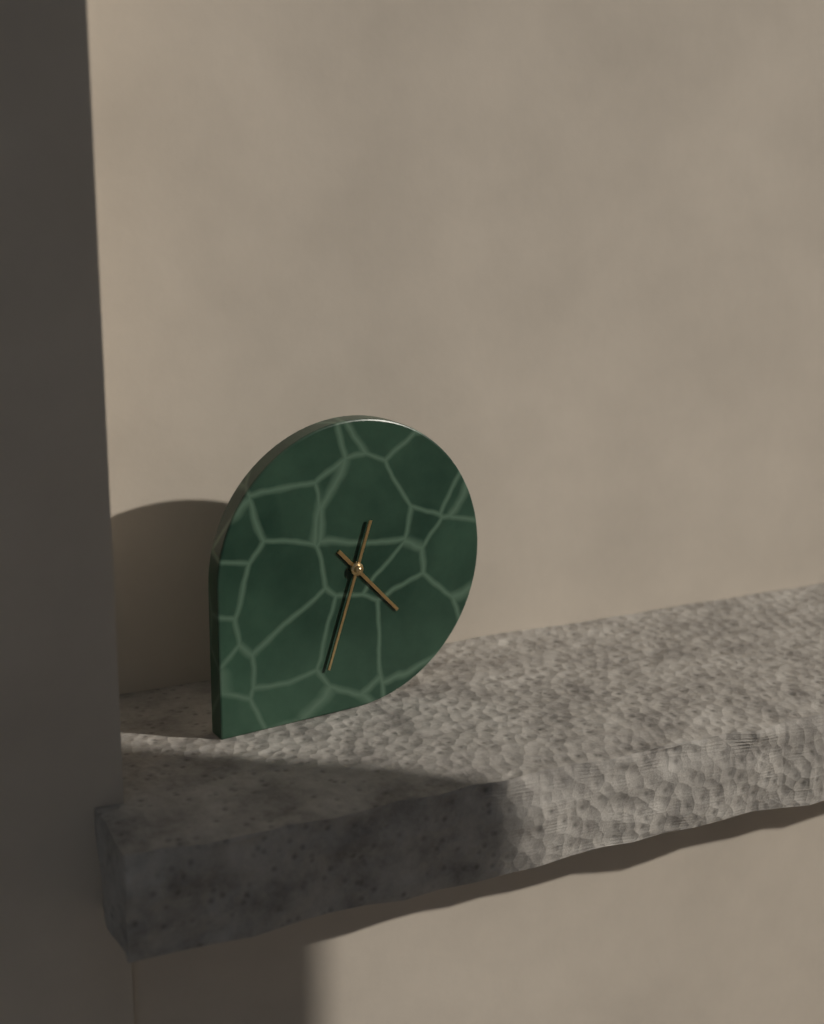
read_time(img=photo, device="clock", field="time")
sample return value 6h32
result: 4h33
